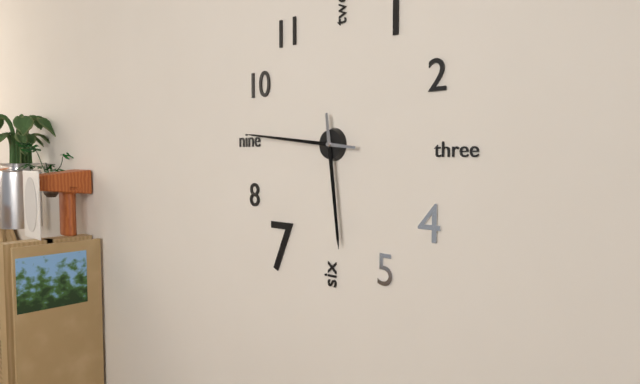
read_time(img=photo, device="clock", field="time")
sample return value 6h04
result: 5h46
